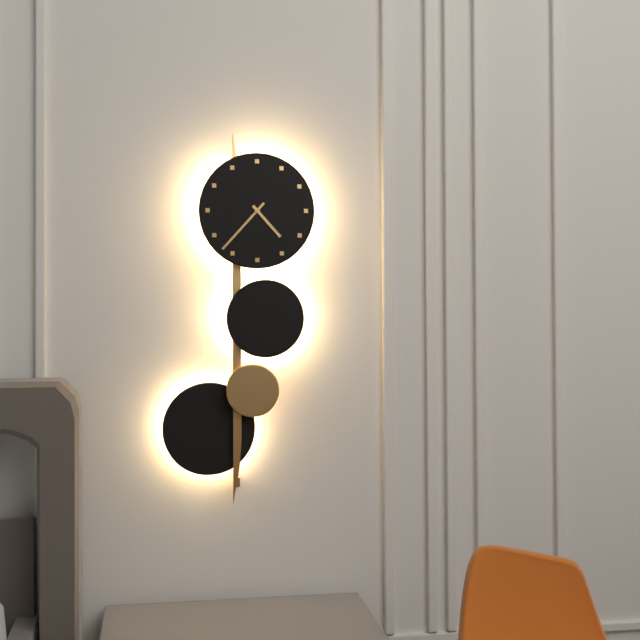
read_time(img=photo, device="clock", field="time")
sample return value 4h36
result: 4h37
